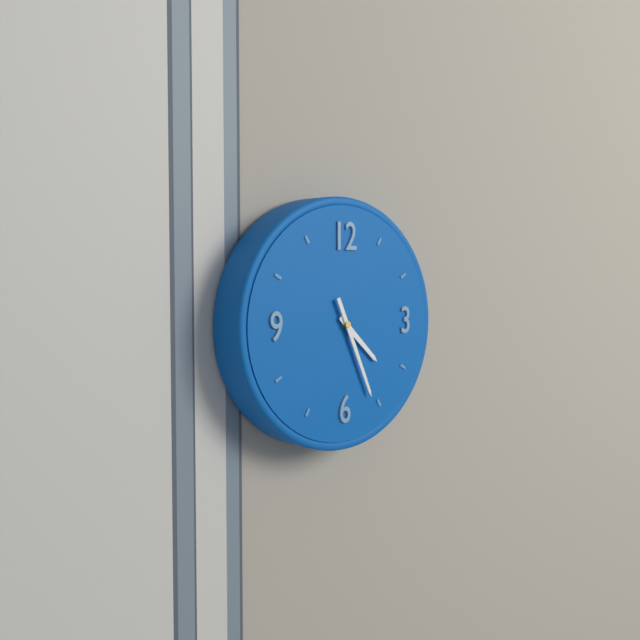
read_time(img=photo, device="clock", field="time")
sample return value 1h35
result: 4h26
